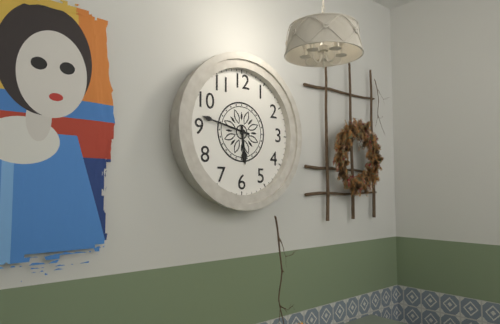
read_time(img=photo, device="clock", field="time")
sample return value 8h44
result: 5h47
